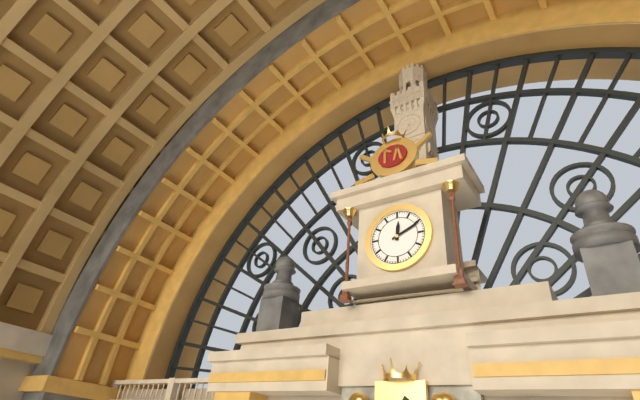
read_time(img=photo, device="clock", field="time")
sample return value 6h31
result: 12h11
